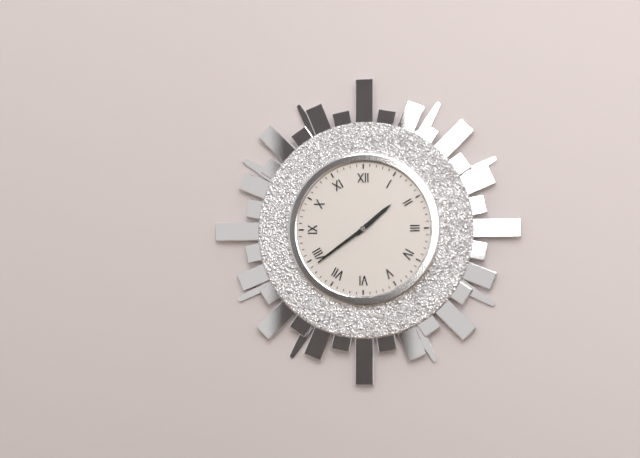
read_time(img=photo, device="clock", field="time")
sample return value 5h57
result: 1h39
